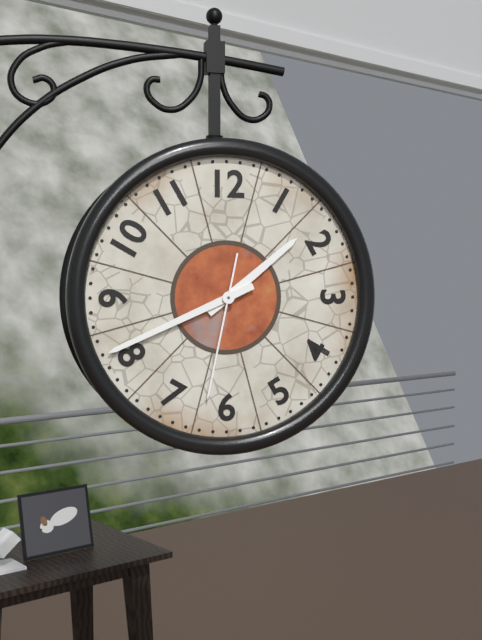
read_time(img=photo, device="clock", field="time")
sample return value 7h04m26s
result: 1h41m32s
